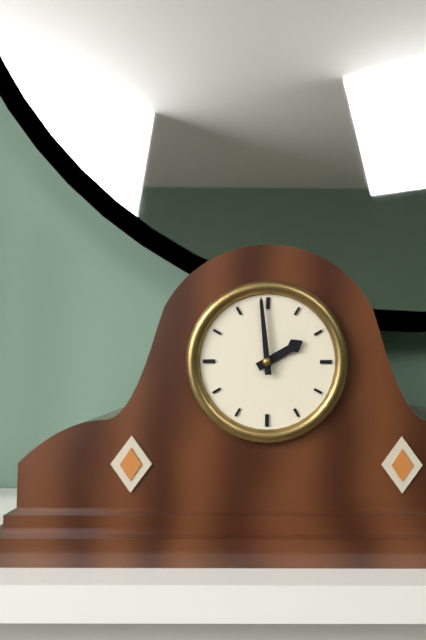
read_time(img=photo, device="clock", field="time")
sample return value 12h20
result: 1h59
